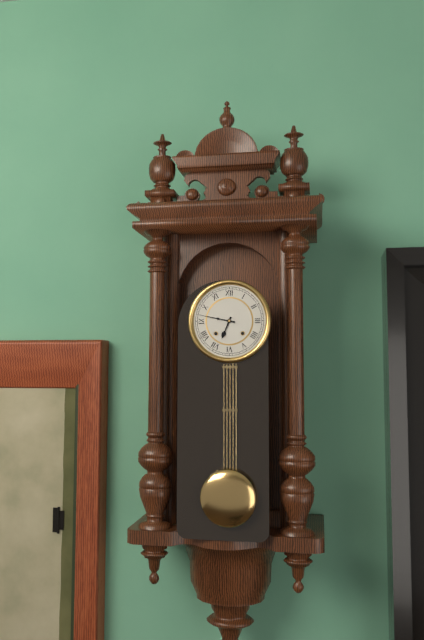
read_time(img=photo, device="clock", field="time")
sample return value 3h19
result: 6h47
